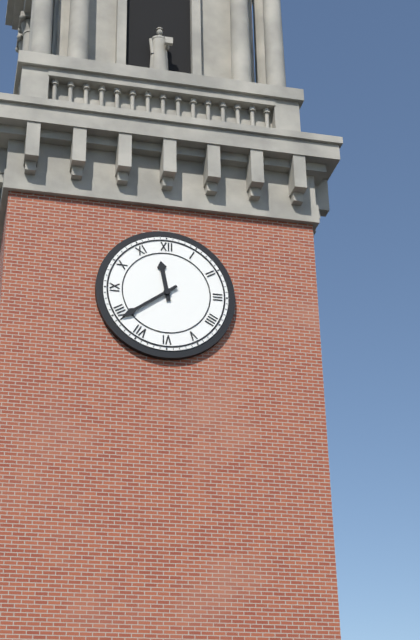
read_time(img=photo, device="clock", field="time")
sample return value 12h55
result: 11h39
